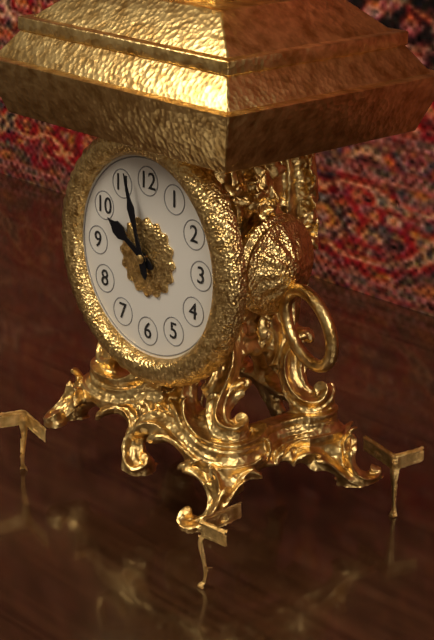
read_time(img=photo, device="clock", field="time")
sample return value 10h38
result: 9h57
